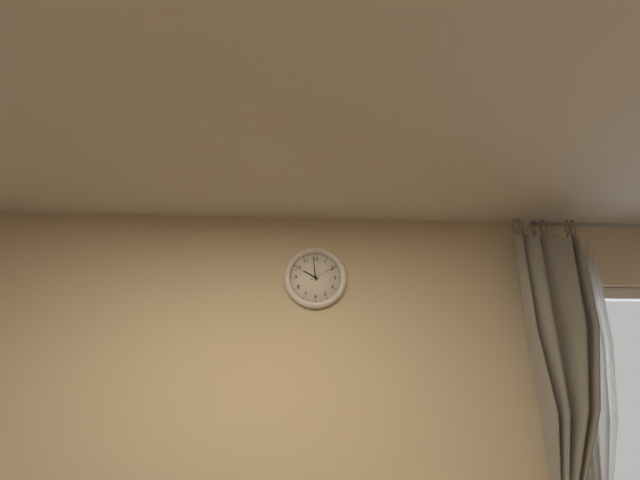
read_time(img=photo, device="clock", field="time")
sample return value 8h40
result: 9h59
